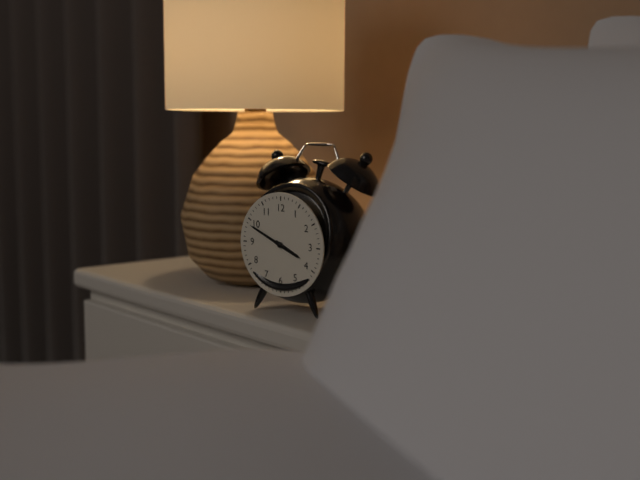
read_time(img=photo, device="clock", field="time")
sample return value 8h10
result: 3h49
